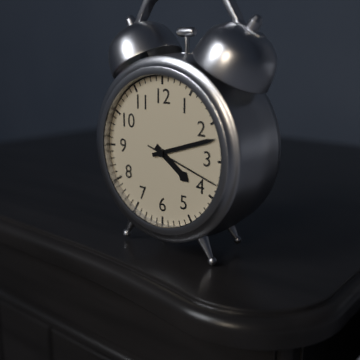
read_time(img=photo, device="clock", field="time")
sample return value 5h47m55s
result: 4h12m18s
